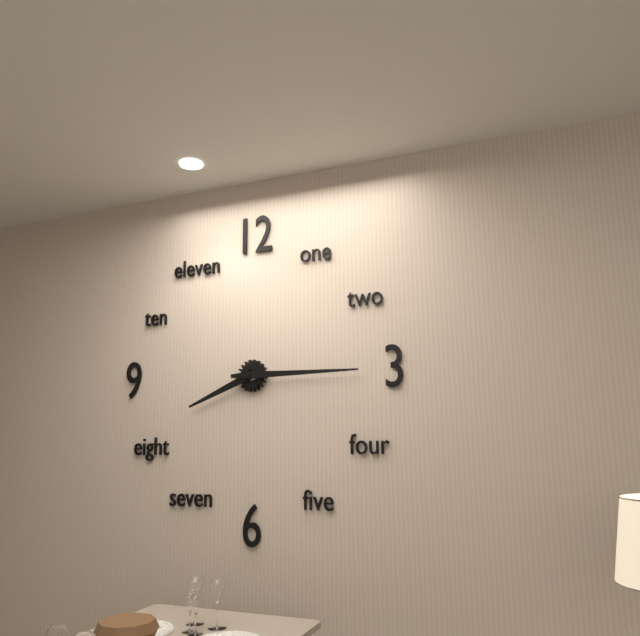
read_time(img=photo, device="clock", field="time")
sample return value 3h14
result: 8h15
